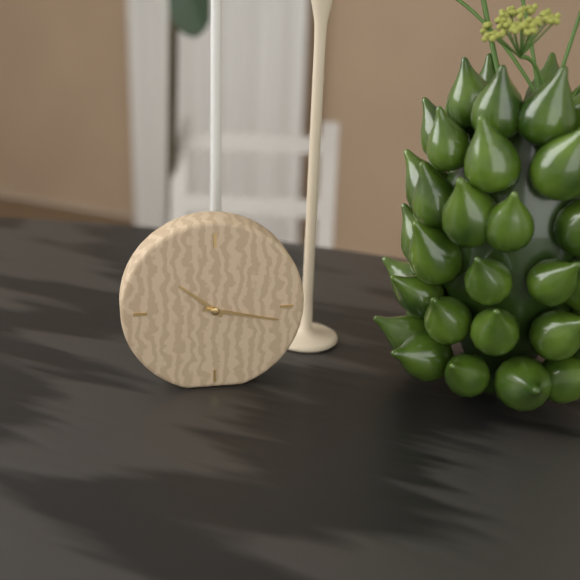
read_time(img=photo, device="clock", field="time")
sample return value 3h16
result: 10h17
